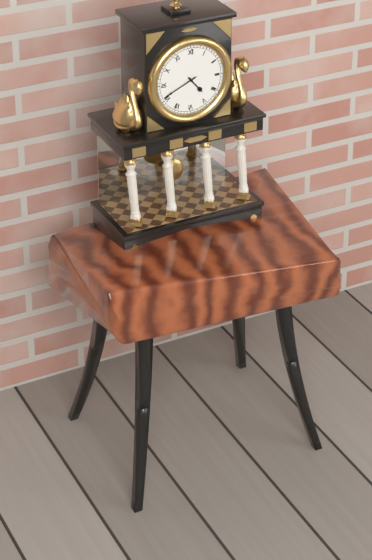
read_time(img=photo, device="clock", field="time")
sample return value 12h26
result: 4h41
